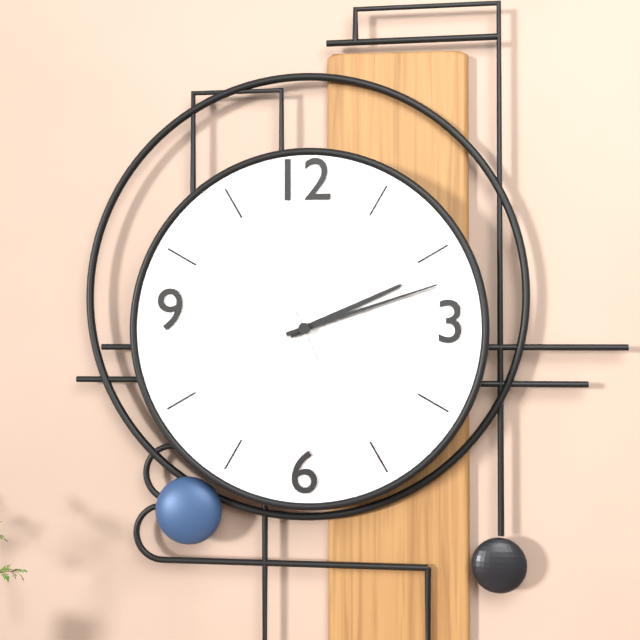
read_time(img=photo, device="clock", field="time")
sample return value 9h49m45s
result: 2h12m56s
